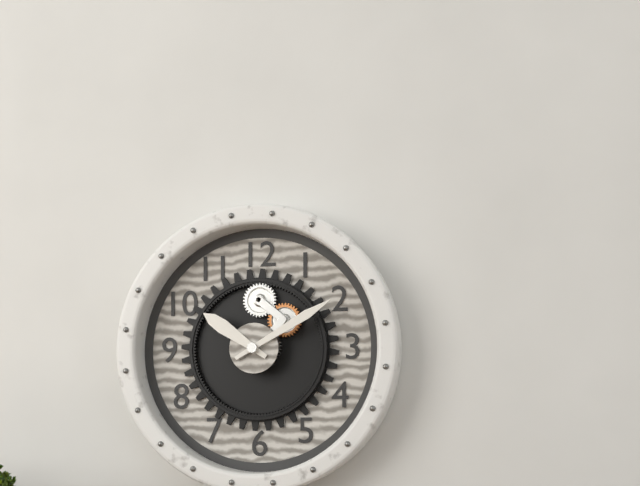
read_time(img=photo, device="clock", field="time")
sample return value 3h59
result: 10h10
